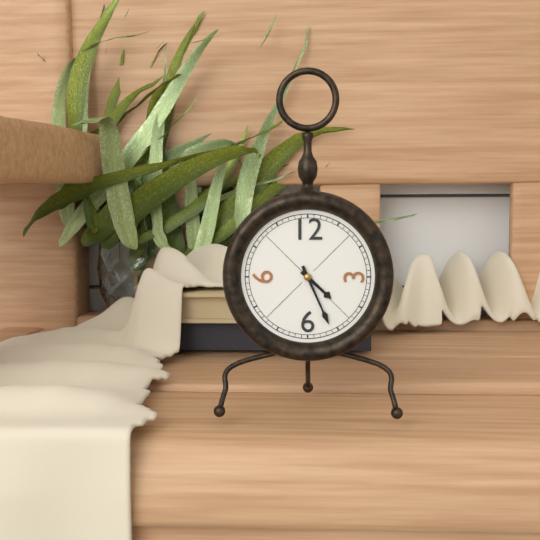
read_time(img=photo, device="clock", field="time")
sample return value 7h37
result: 4h26
